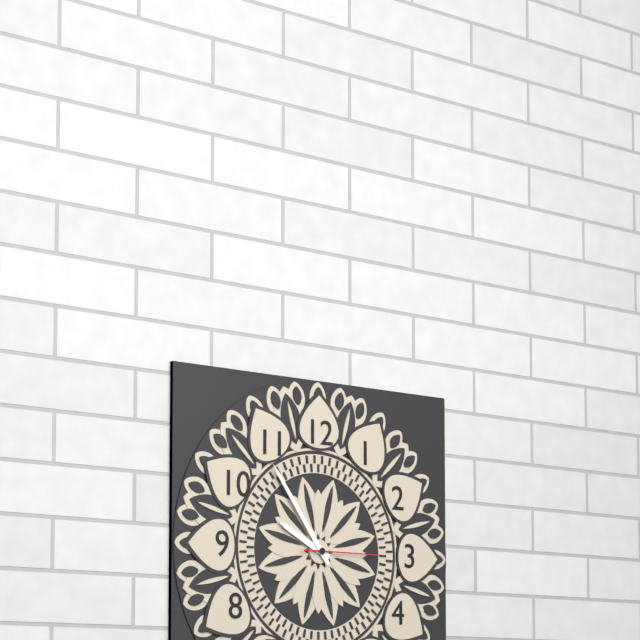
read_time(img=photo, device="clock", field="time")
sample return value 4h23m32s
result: 9h54m15s
